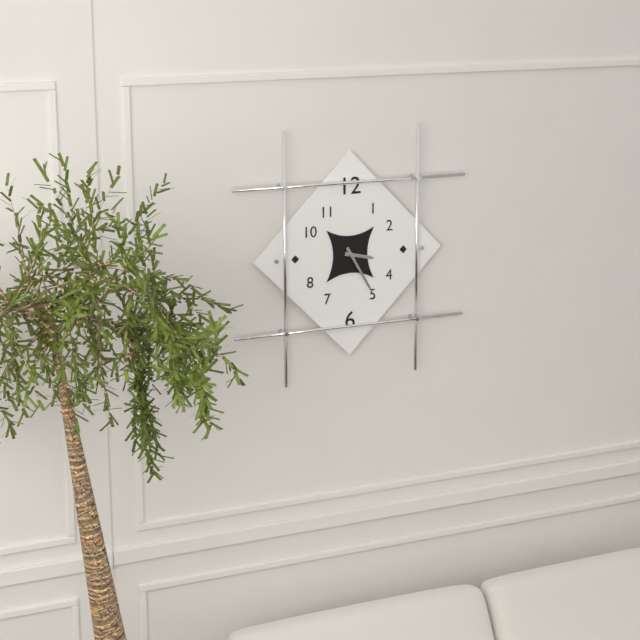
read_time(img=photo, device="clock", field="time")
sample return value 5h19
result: 3h25
